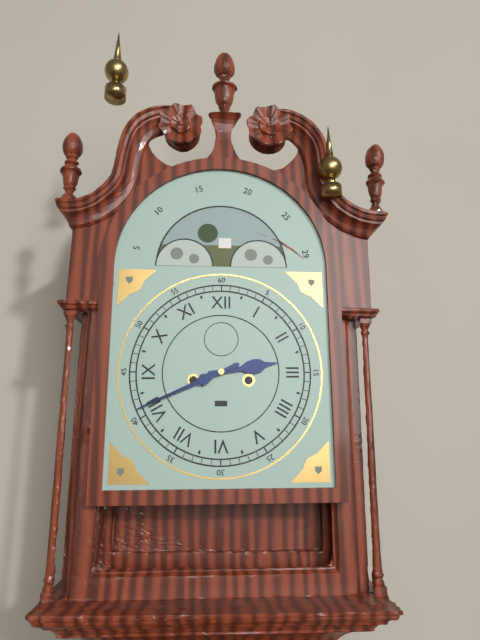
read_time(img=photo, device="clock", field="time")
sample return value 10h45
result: 2h41
